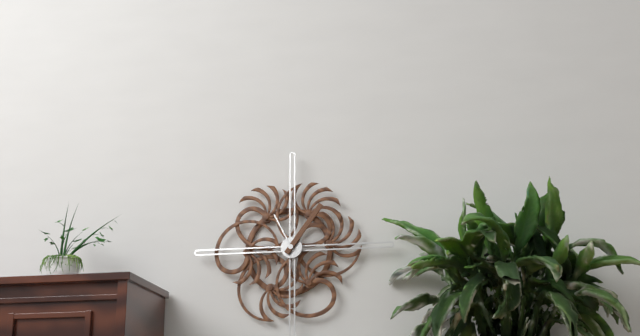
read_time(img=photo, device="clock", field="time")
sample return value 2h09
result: 11h06
